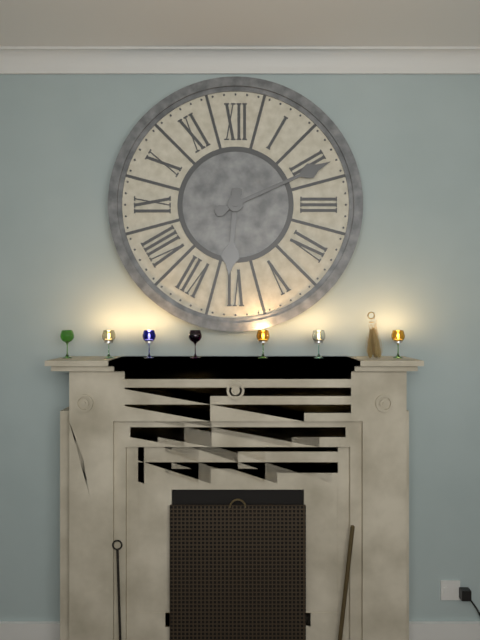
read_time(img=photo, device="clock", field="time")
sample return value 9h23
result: 6h11
